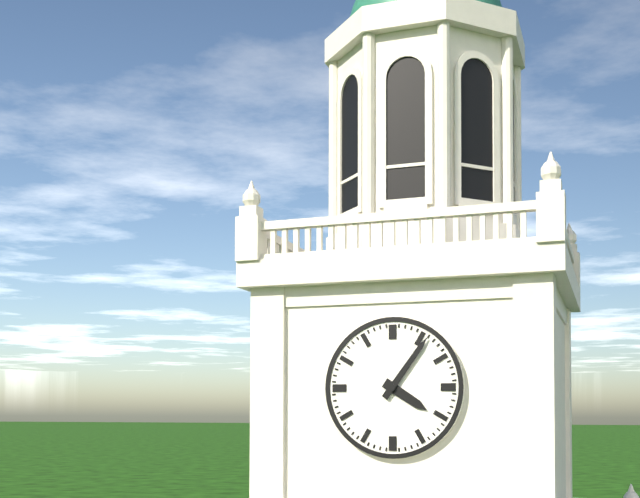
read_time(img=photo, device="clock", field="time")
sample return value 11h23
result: 4h06
